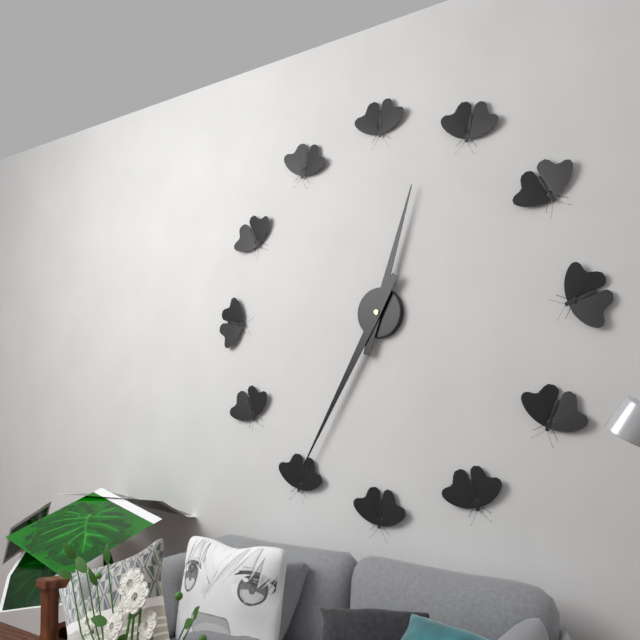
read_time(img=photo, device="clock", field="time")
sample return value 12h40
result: 12h35
